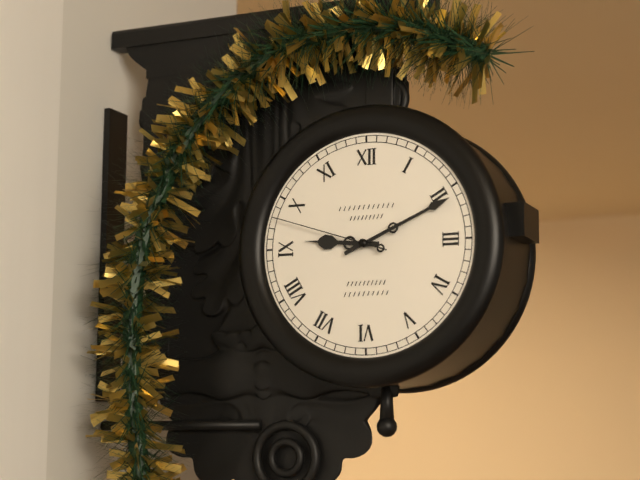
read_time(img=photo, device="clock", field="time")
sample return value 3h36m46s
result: 9h11m48s
